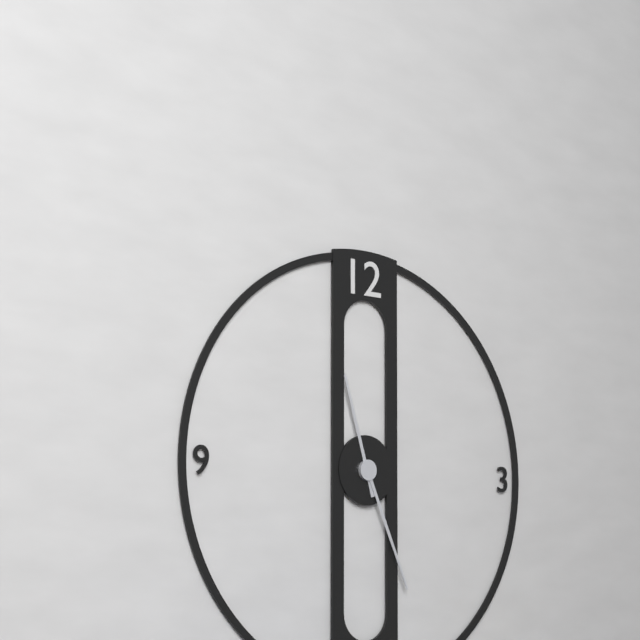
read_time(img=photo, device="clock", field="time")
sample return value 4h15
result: 11h26
